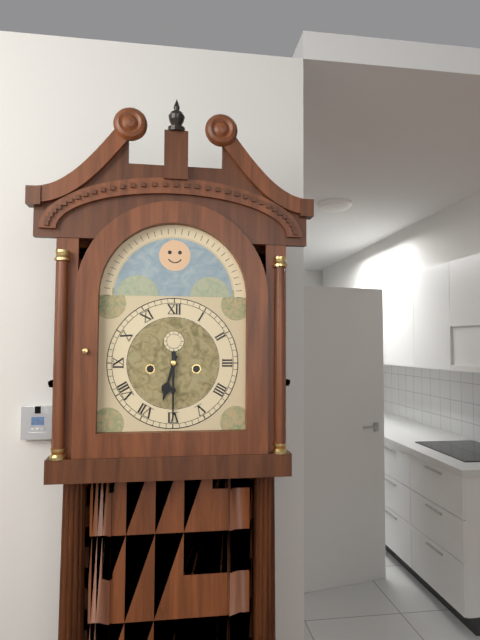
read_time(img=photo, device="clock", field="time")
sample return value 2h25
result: 6h30
